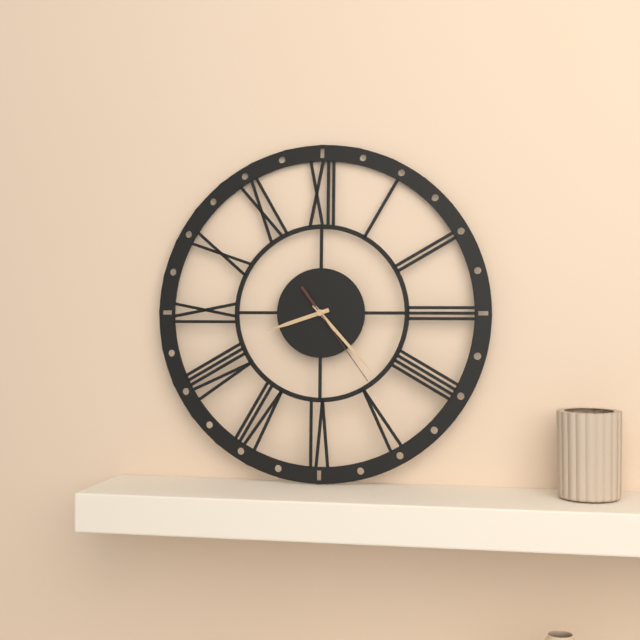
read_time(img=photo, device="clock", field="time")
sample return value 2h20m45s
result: 8h23m24s
